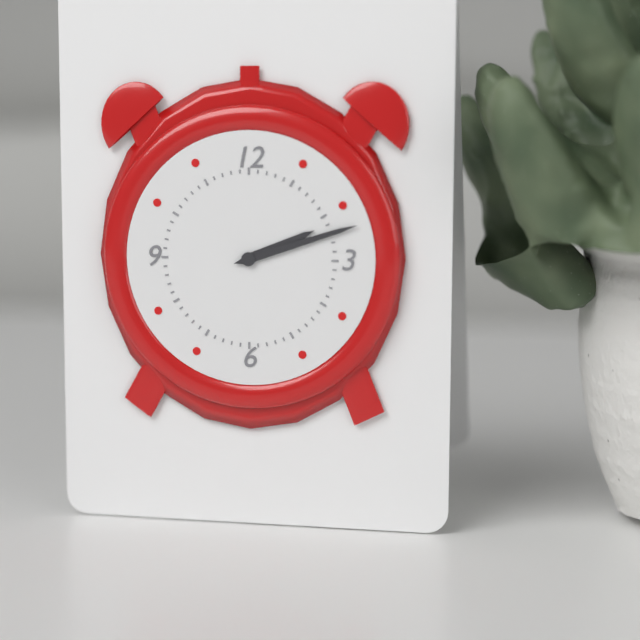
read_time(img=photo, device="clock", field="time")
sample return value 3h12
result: 2h12
